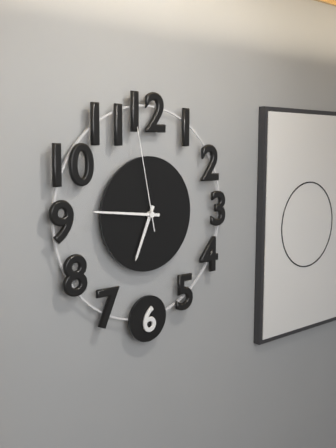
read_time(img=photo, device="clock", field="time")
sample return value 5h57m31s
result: 6h46m58s
